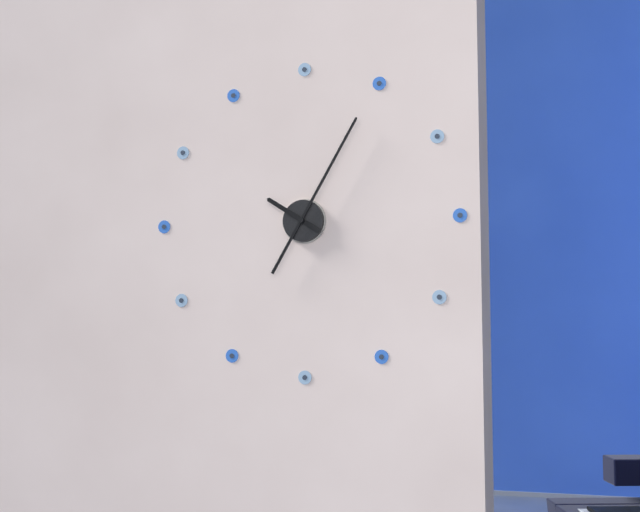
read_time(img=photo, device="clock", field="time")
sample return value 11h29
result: 10h05
